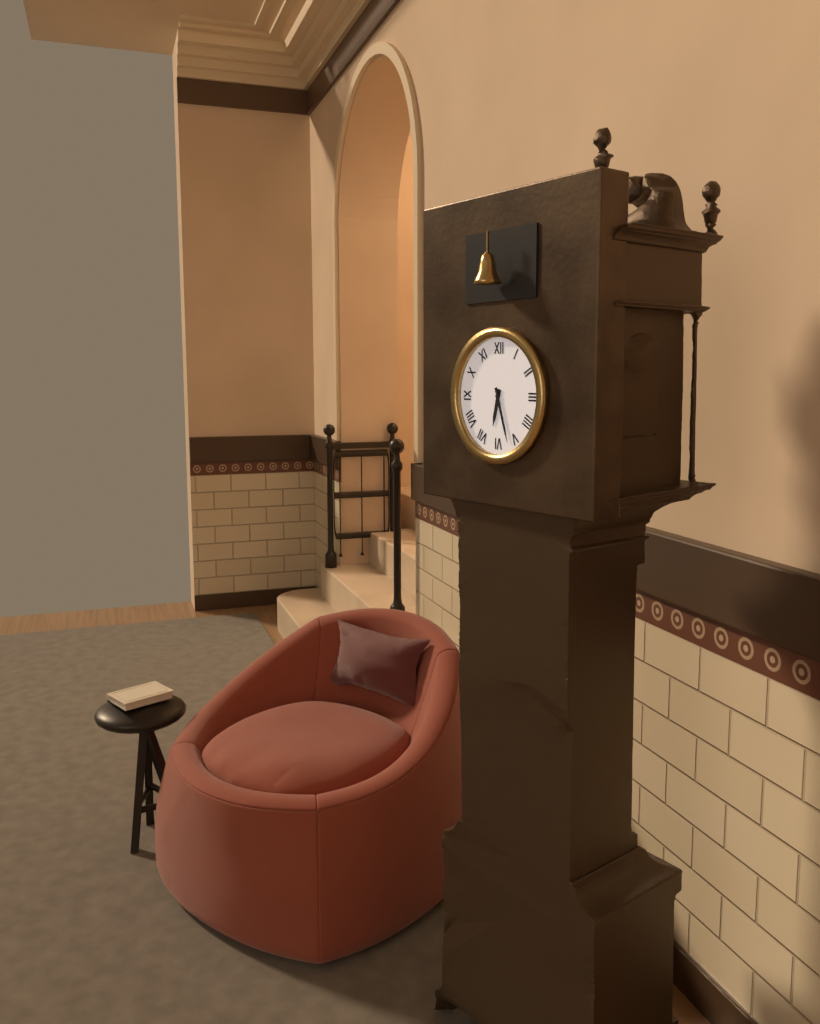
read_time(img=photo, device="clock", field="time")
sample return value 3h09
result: 6h27
